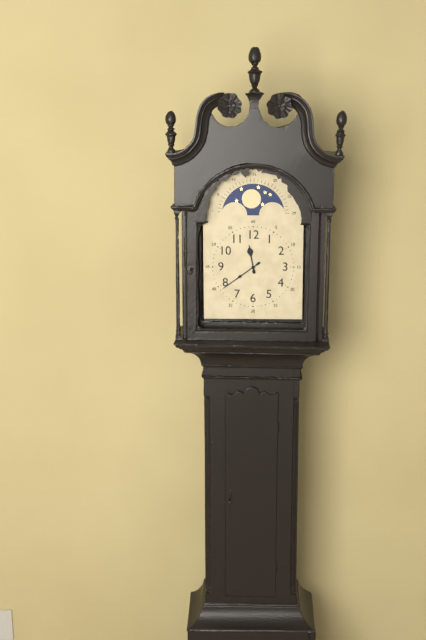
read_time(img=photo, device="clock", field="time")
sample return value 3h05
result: 11h39
